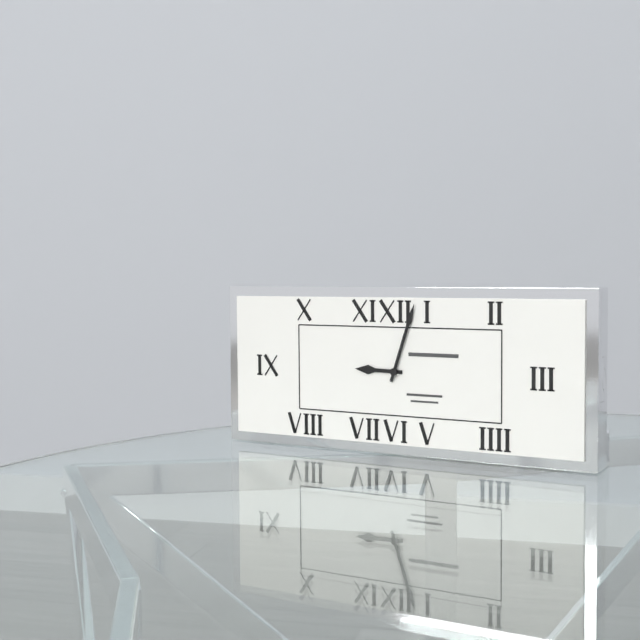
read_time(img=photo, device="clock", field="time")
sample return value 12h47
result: 9h03
